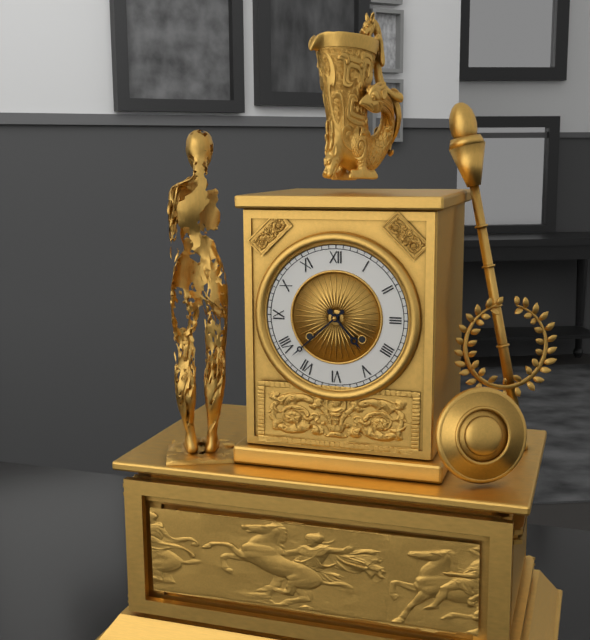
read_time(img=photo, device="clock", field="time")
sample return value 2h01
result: 4h38
